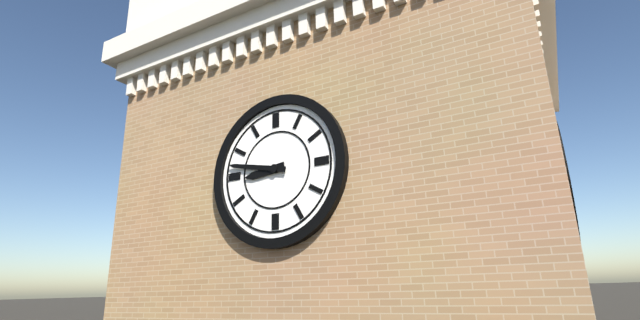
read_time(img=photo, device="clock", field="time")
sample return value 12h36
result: 8h47
